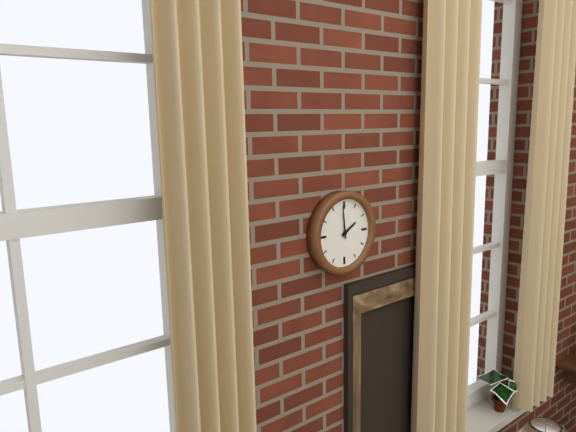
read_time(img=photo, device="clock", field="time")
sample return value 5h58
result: 1h59
